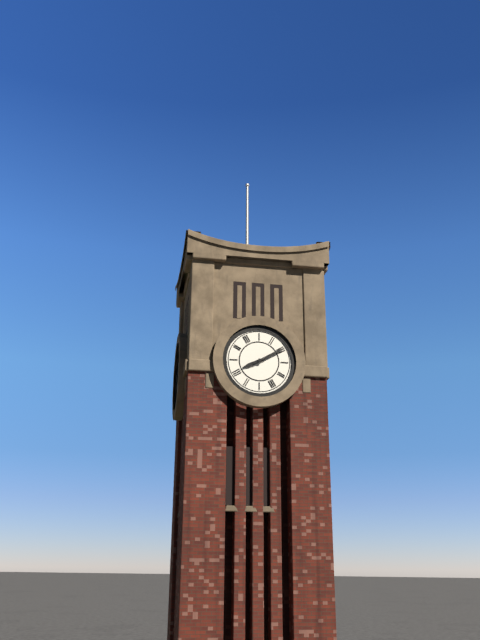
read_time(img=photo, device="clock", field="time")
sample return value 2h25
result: 8h10
